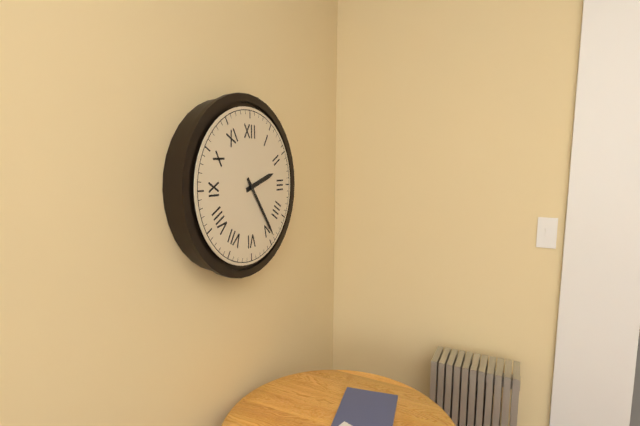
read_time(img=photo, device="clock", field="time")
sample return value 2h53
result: 2h24
